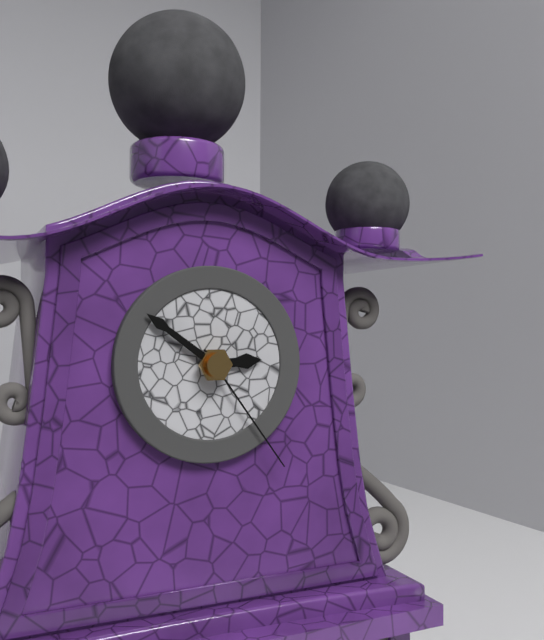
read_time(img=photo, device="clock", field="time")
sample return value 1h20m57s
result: 2h51m24s
